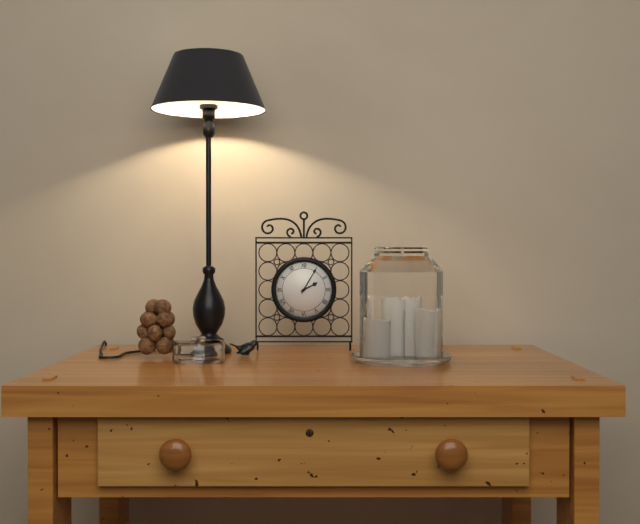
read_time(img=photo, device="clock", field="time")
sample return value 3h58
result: 2h05
